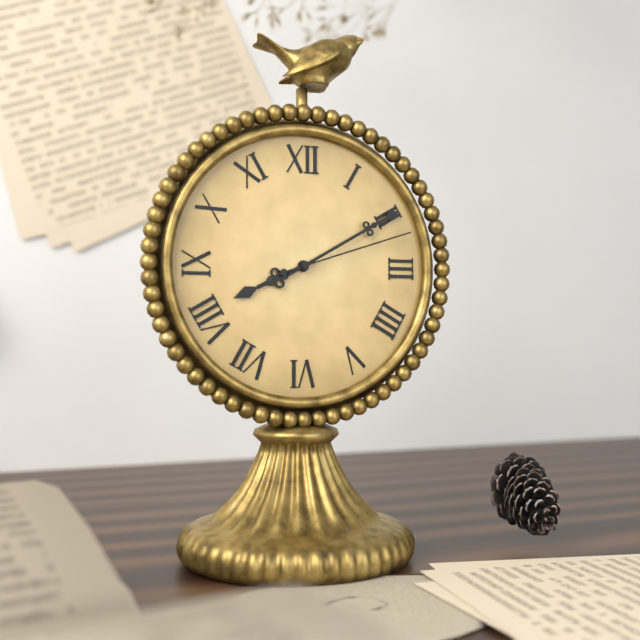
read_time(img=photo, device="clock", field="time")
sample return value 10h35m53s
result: 8h10m12s
